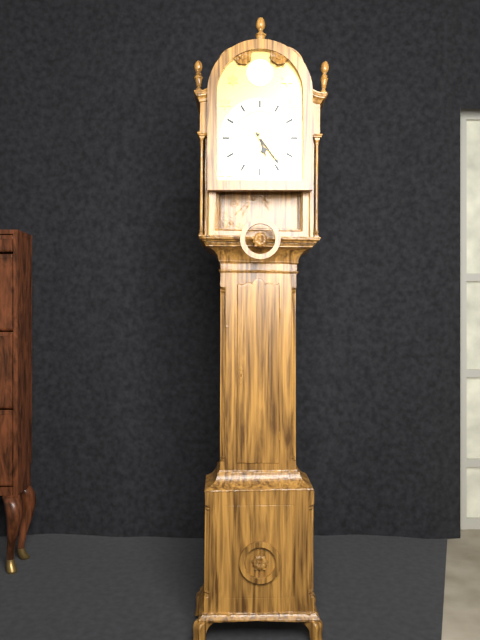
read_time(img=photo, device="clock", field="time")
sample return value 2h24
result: 5h24
